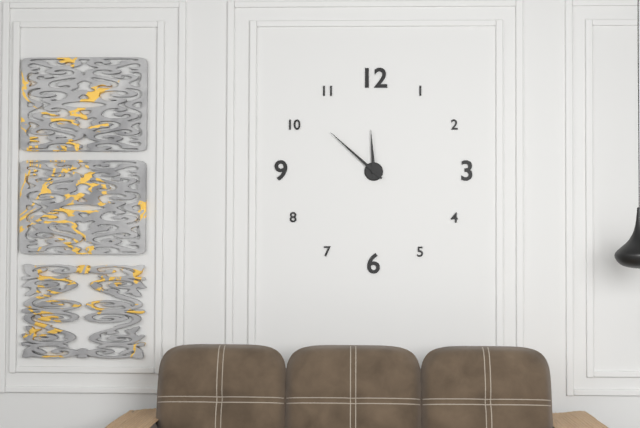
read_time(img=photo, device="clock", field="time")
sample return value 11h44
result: 11h52
